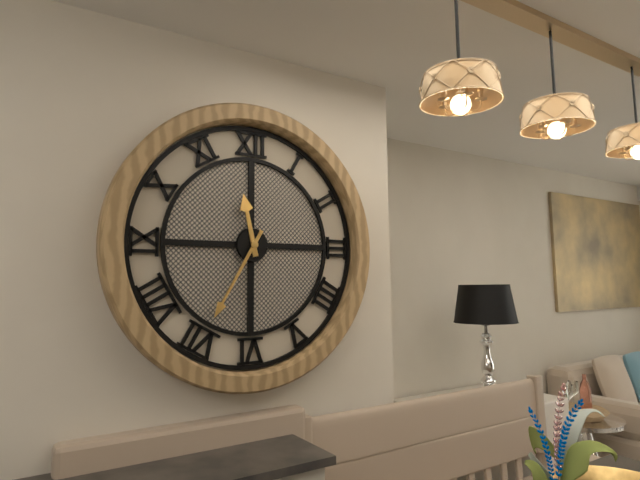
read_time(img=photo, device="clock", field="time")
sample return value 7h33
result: 11h35
